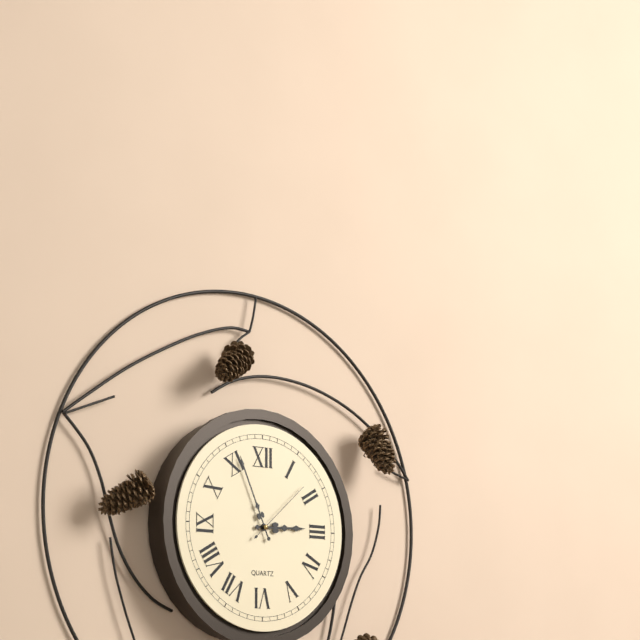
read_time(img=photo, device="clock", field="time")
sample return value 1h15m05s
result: 2h56m08s
